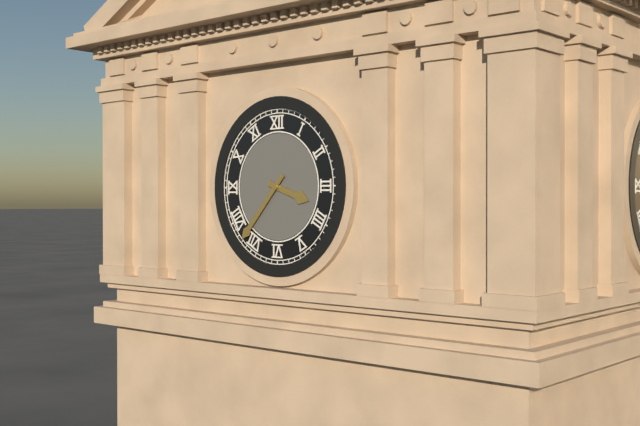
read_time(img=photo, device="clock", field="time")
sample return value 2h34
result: 3h37
